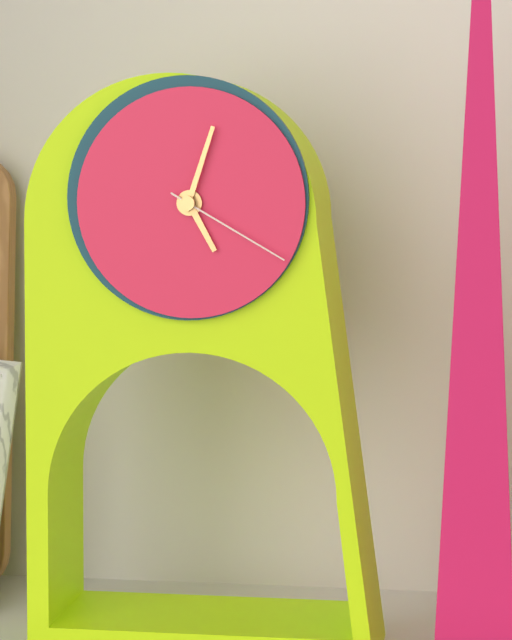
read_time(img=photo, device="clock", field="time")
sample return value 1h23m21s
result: 5h03m20s
